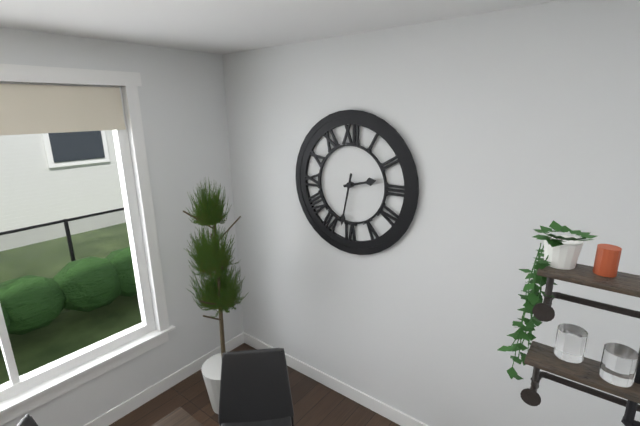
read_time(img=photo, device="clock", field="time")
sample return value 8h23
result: 2h32
